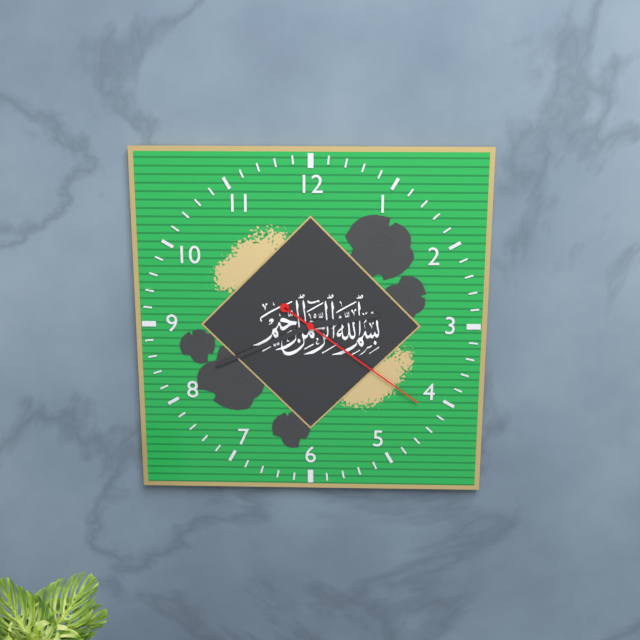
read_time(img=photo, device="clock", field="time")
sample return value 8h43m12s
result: 2h41m21s
